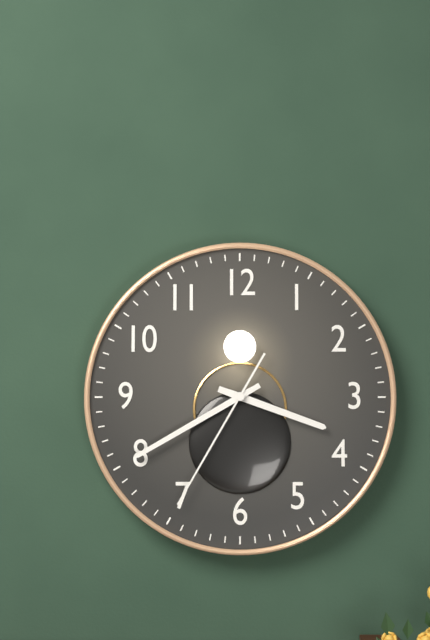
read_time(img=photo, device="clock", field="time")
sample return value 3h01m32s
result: 3h40m35s
